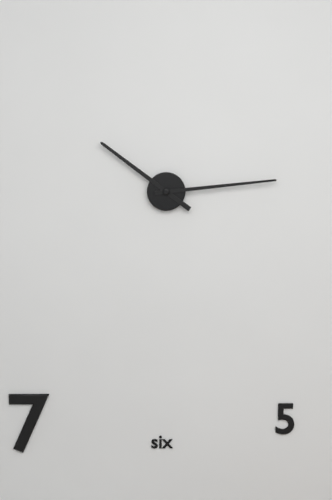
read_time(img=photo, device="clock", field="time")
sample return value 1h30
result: 10h14
